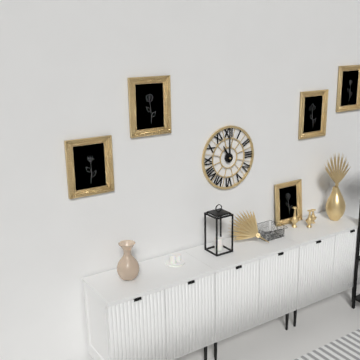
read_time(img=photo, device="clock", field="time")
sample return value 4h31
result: 11h00
